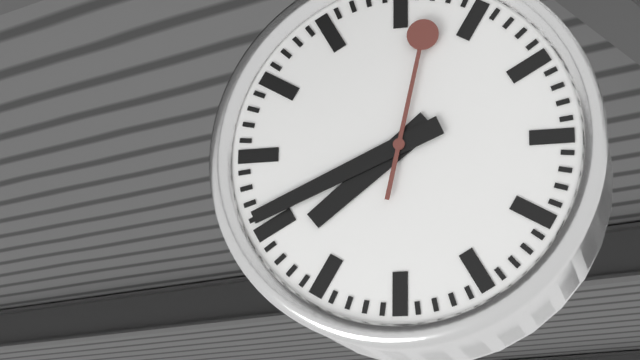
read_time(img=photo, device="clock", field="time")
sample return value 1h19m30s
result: 7h41m02s
